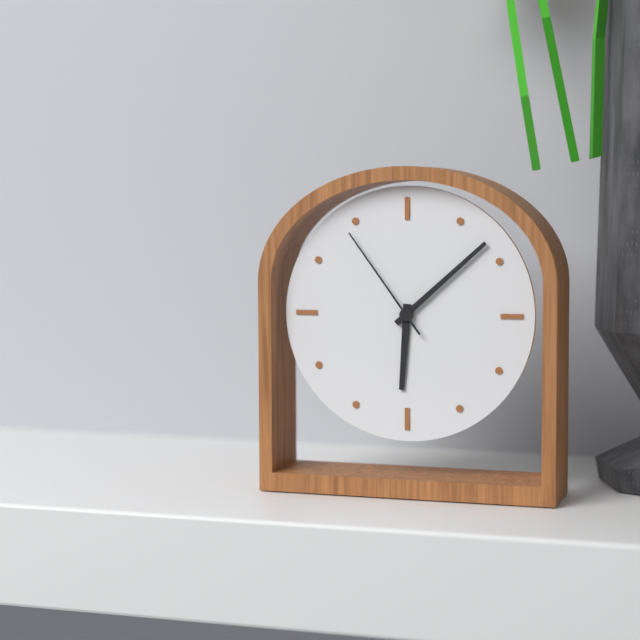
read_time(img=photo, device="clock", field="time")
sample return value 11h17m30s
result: 6h08m54s
